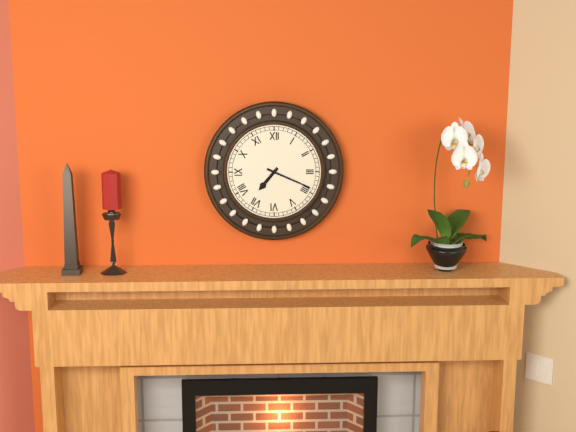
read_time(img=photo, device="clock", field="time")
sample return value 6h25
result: 7h19
